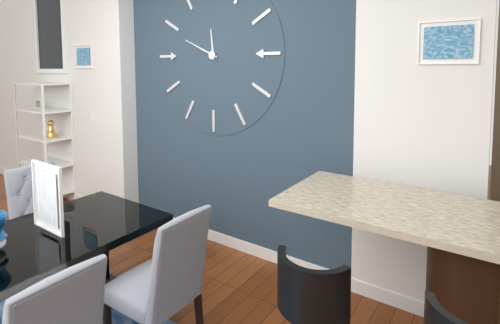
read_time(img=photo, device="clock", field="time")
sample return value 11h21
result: 11h49
